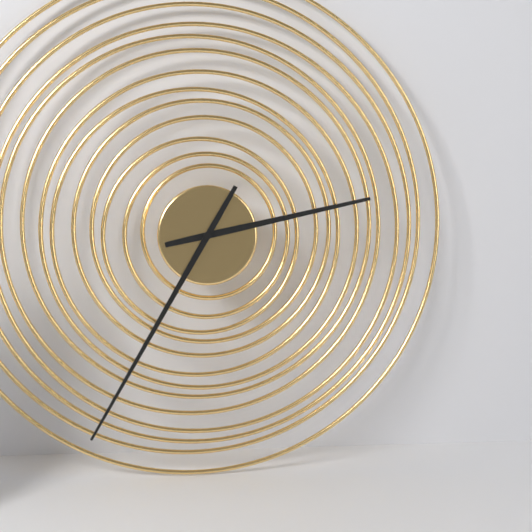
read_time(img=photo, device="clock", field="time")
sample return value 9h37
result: 2h35
